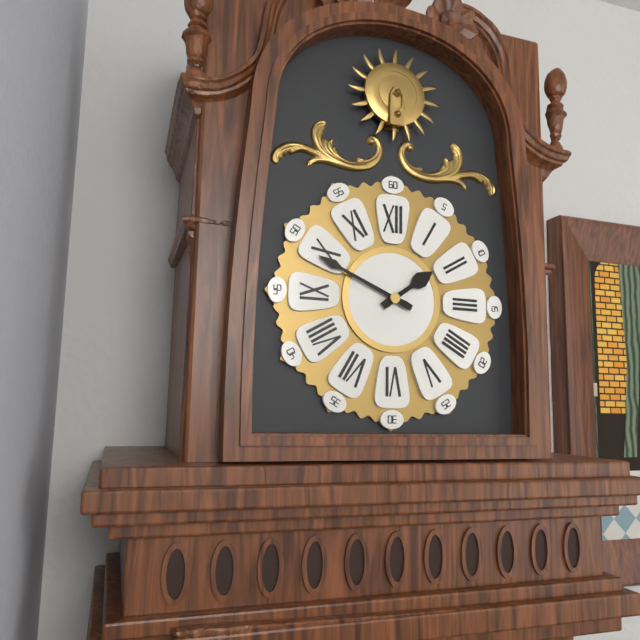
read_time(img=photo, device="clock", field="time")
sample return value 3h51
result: 1h49
